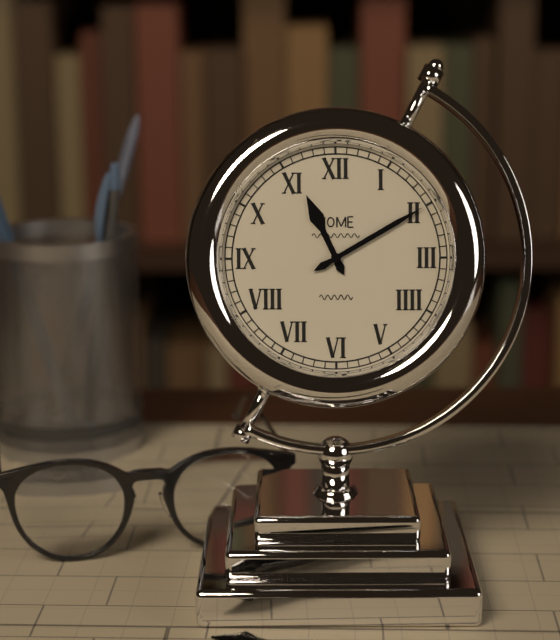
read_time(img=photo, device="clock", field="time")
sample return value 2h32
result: 11h10
